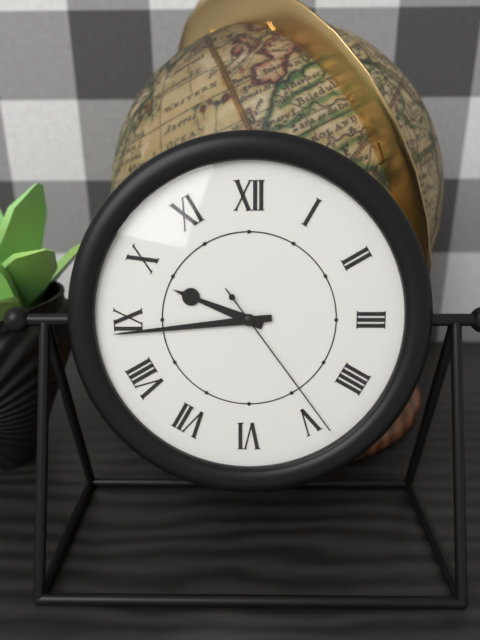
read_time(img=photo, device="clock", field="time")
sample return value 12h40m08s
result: 9h44m24s
